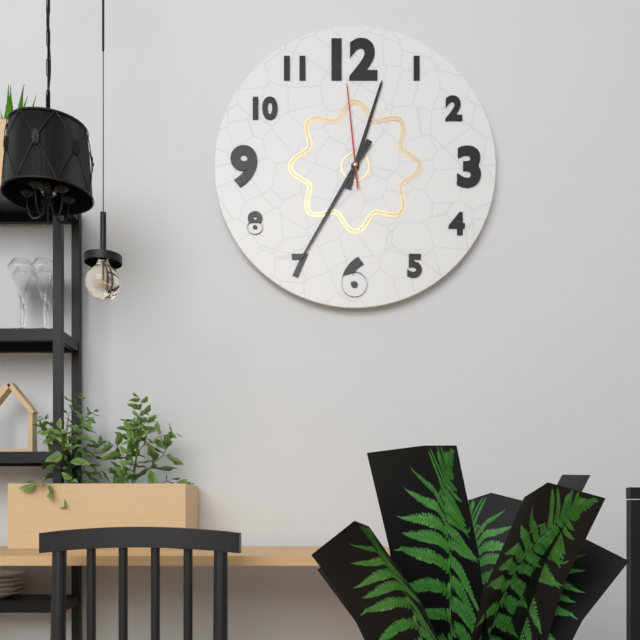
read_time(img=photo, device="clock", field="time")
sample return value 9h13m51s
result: 12h35m59s
